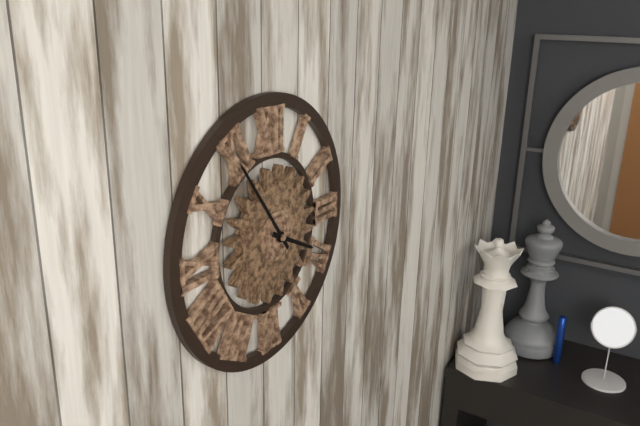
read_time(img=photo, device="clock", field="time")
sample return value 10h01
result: 3h54
